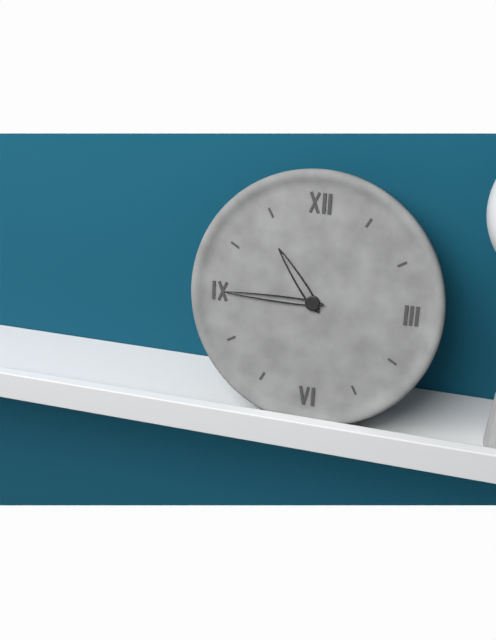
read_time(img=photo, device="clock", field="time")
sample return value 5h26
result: 10h45
